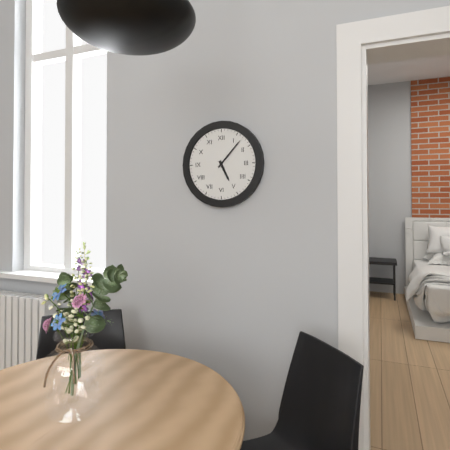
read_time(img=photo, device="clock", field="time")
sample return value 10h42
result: 5h07
